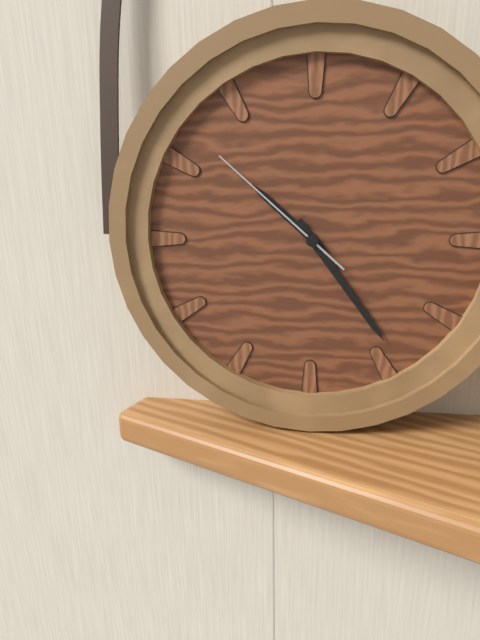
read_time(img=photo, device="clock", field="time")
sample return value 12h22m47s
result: 10h24m52s
